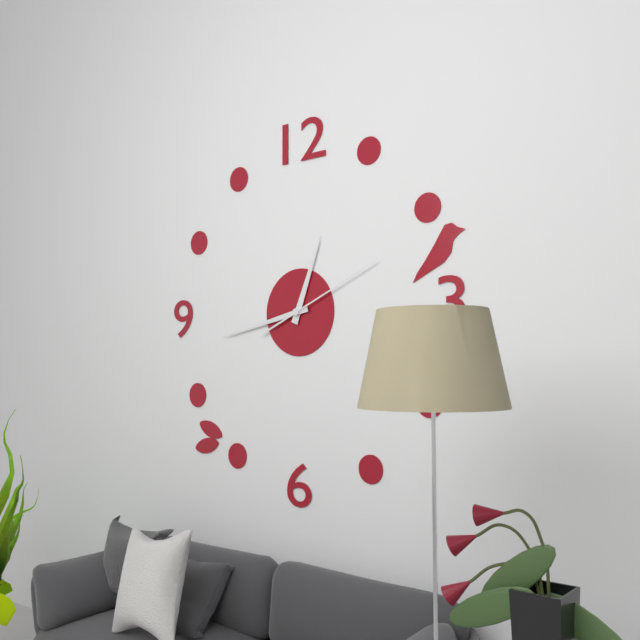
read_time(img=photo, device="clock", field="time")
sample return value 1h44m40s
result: 12h43m11s
